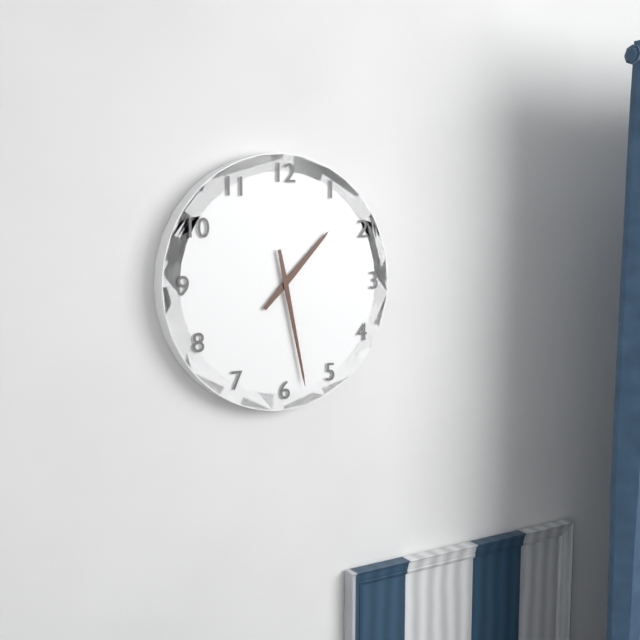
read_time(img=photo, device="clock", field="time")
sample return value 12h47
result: 1h28
